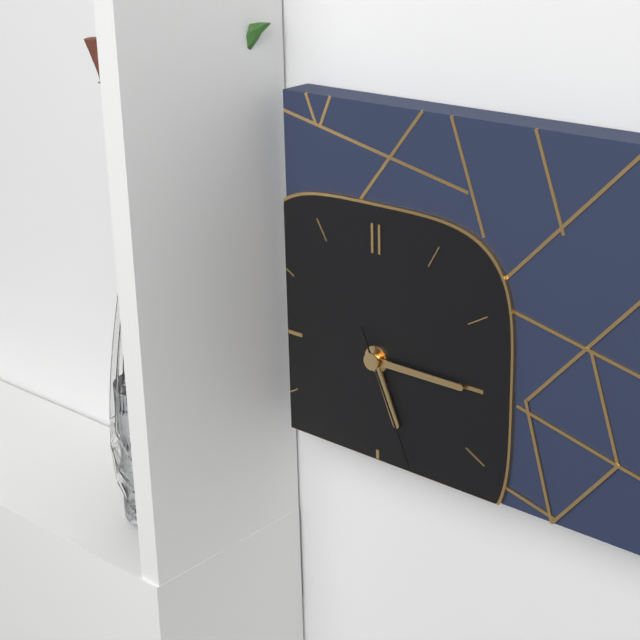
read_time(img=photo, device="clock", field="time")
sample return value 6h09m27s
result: 5h15m26s
